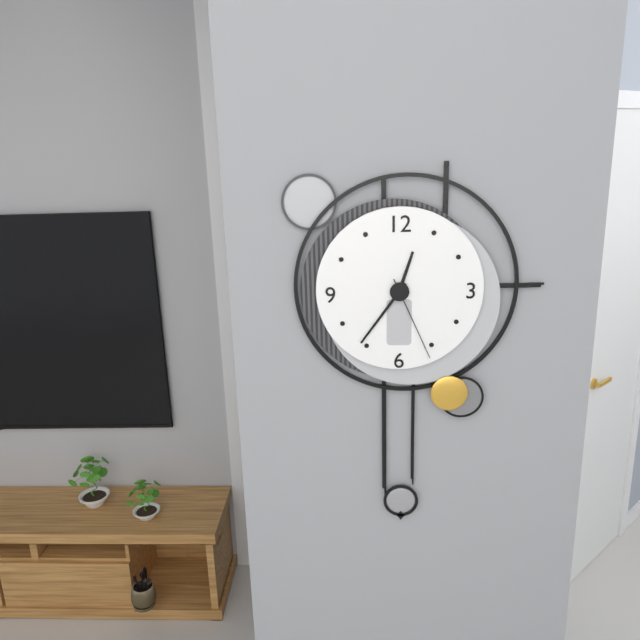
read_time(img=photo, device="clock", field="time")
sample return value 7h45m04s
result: 12h36m26s
